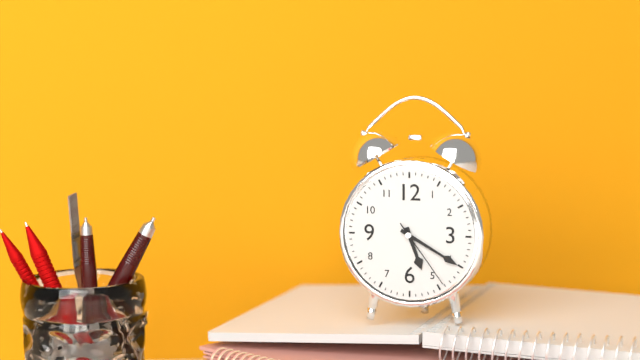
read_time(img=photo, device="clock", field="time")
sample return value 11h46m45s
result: 5h20m24s
